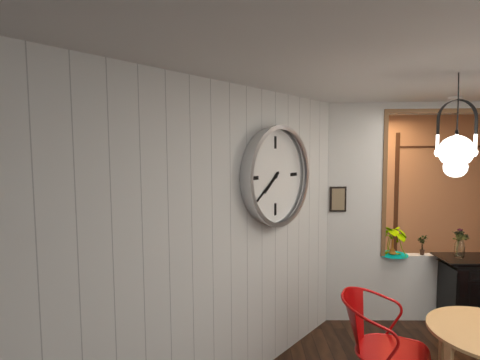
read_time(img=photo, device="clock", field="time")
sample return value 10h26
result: 7h39
